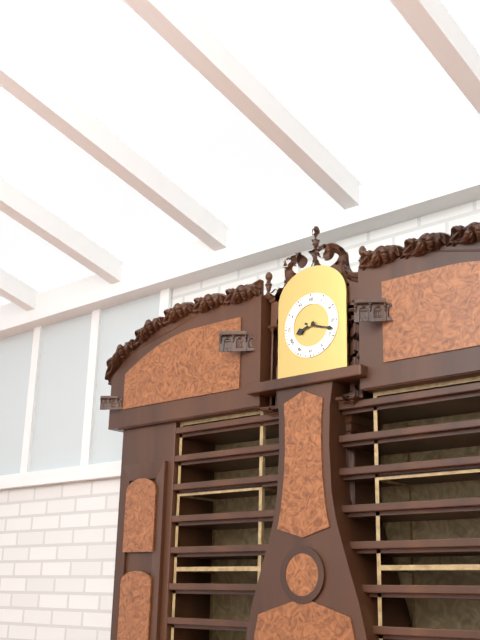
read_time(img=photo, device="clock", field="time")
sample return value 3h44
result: 8h18
